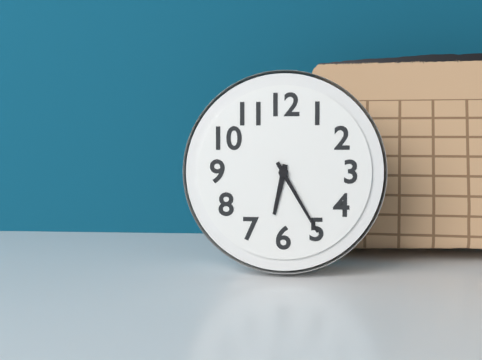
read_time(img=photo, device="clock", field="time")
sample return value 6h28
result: 6h25
